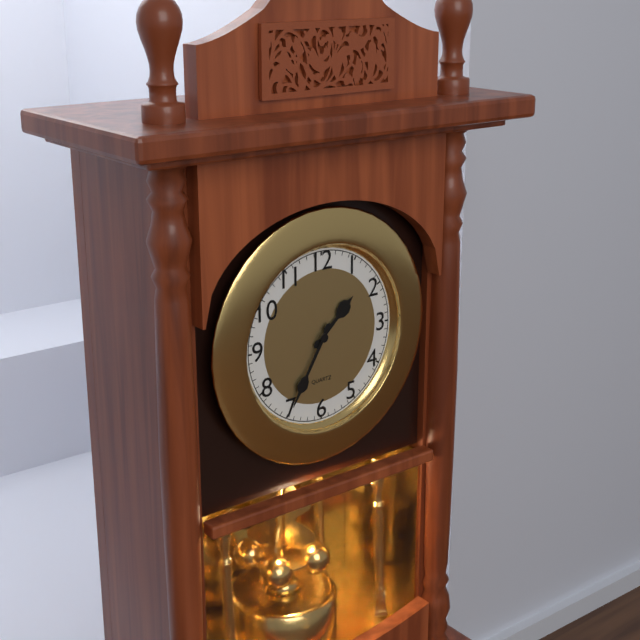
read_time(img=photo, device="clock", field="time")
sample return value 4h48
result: 1h35
